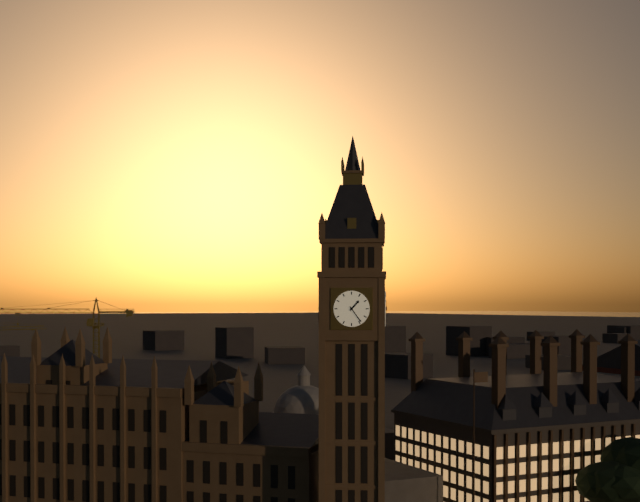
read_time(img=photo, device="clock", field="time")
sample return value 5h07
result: 1h24
